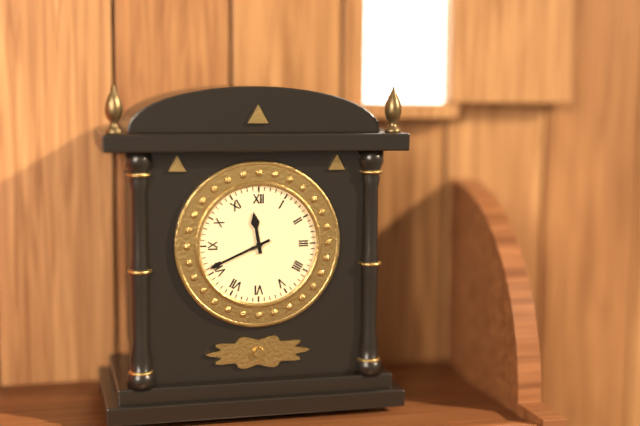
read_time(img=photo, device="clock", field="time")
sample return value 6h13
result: 11h41
